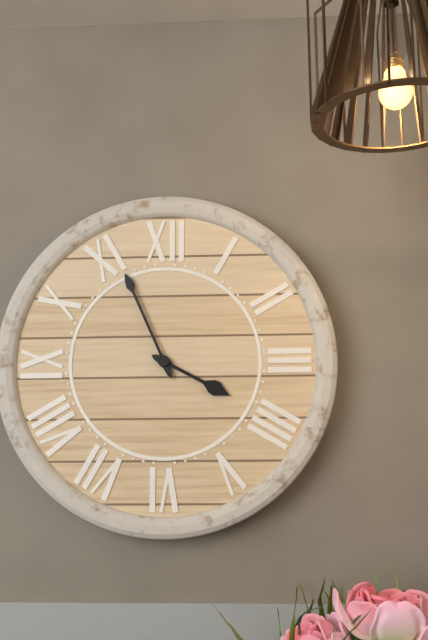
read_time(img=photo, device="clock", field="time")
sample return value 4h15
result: 3h56
